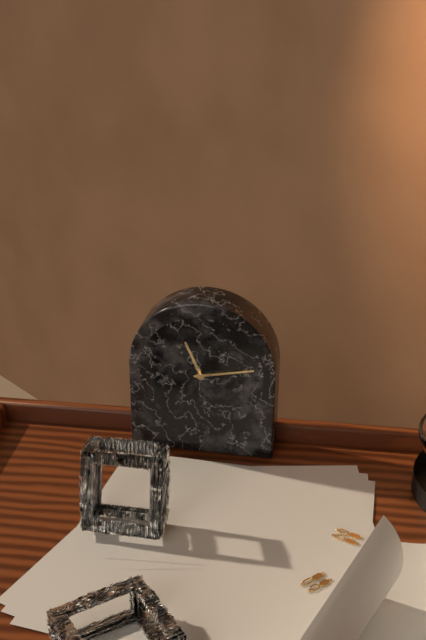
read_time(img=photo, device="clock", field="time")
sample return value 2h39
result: 11h13
